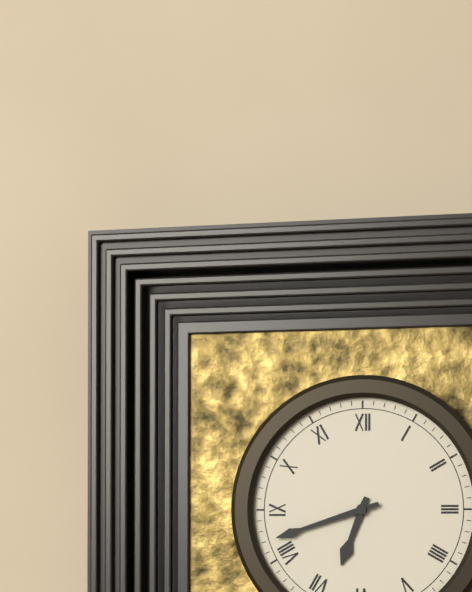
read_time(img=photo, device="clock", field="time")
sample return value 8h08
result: 6h42
